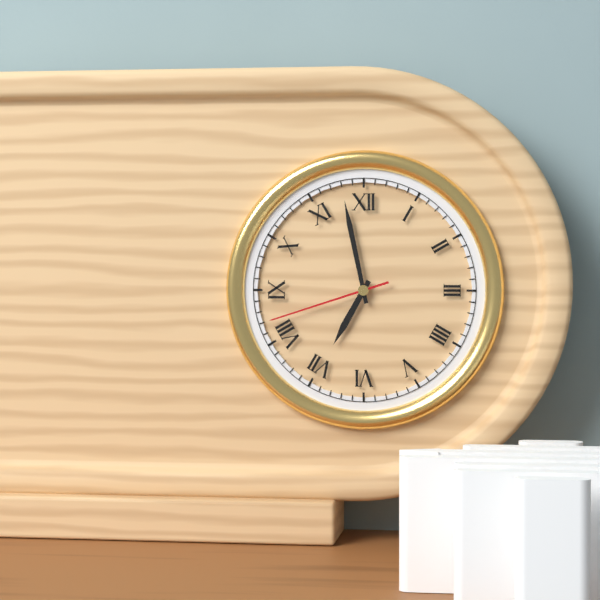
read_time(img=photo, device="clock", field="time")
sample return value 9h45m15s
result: 6h58m42s
